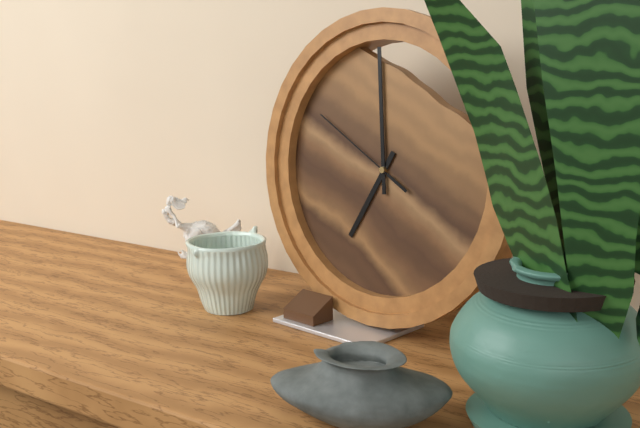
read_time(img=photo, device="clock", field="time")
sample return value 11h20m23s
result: 6h59m50s
